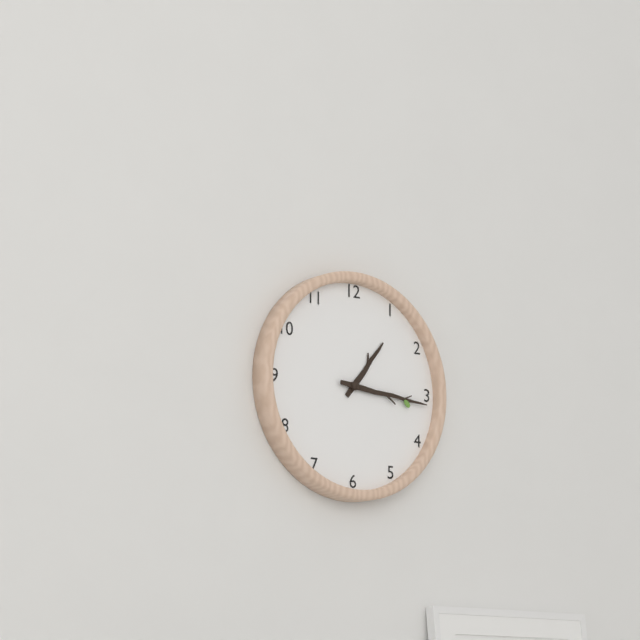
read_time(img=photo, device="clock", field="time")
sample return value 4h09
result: 1h16
